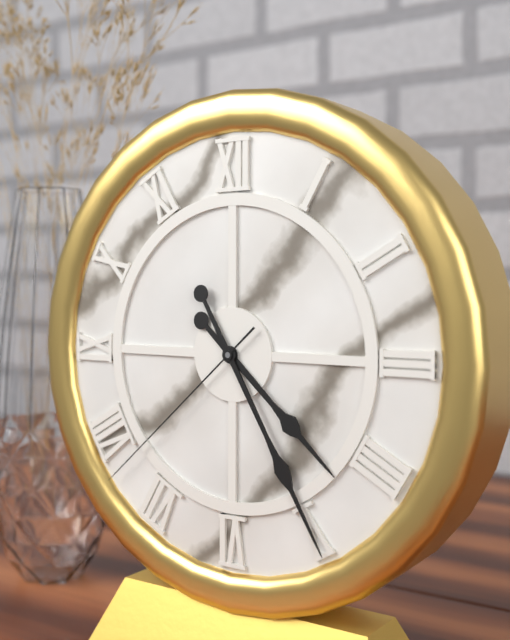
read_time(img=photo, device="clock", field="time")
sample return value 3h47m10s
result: 4h25m38s
